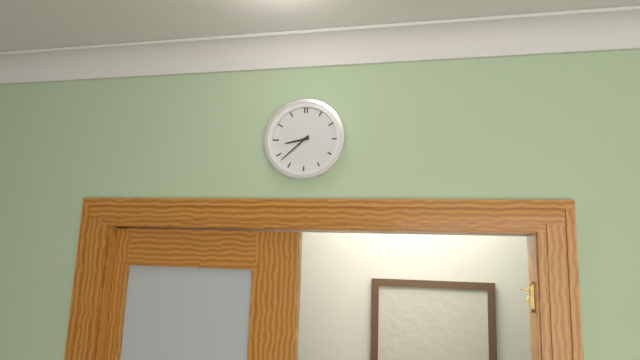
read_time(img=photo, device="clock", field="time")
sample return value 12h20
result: 8h38
